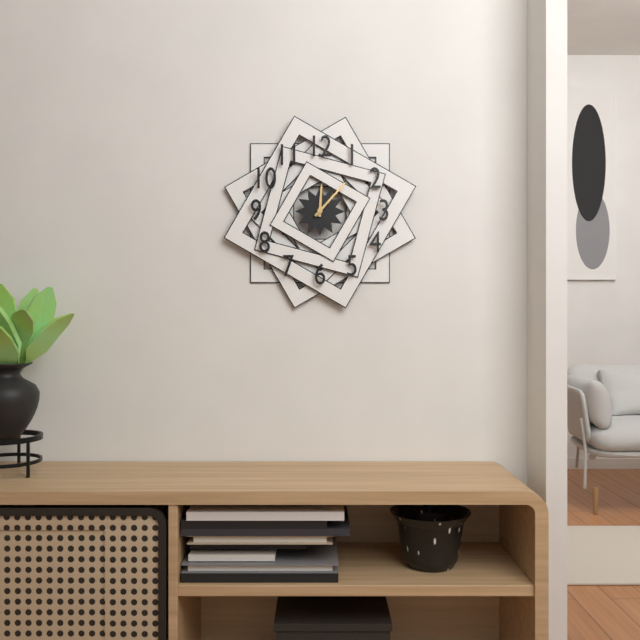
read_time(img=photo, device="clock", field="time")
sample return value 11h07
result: 12h07
